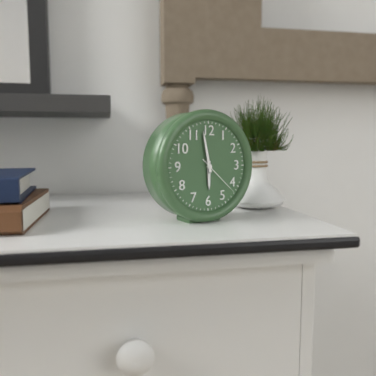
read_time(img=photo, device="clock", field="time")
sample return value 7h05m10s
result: 5h58m22s
